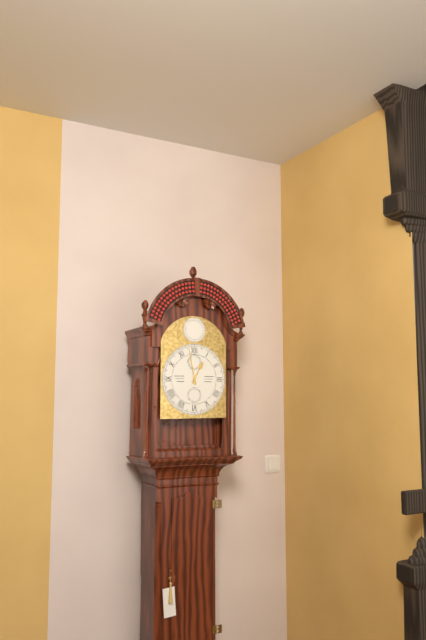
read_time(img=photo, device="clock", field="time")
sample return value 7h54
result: 12h58
